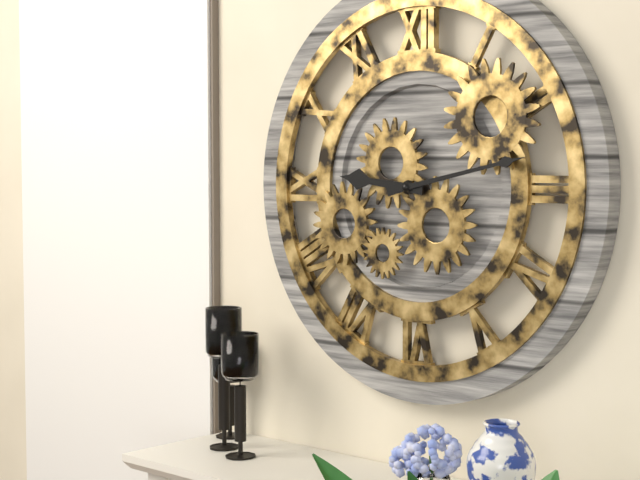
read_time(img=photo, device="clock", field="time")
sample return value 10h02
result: 9h13
